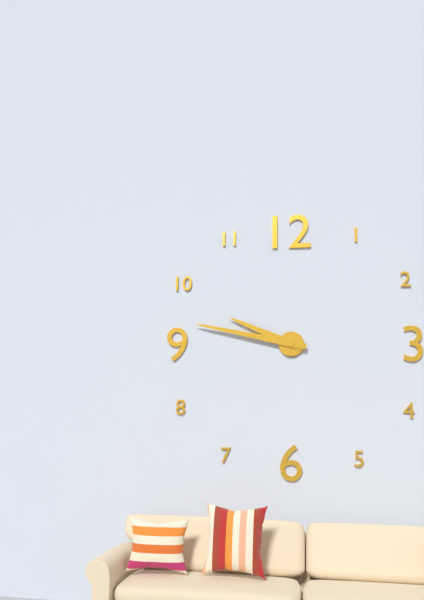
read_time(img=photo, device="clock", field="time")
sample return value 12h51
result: 9h47
